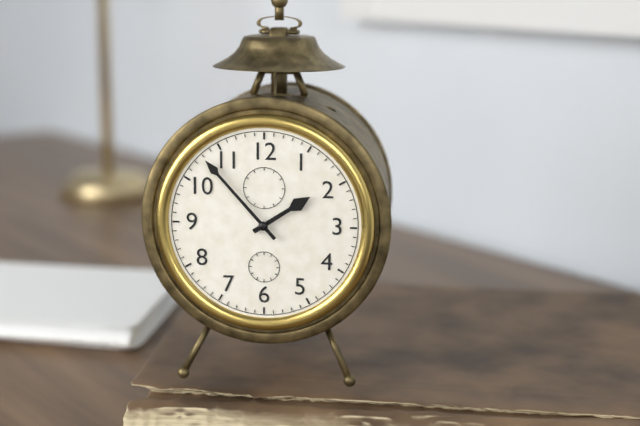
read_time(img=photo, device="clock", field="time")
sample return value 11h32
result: 1h53
